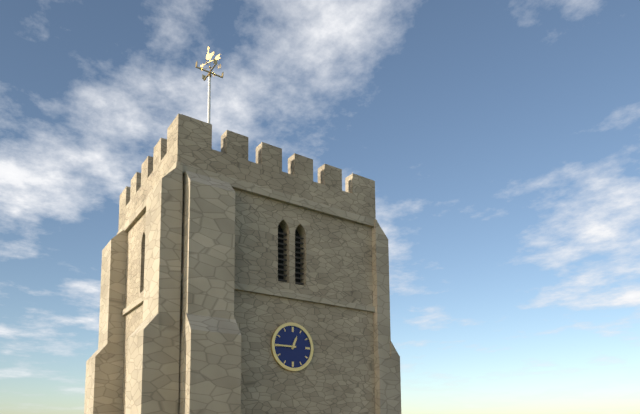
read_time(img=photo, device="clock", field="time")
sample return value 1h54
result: 12h45
